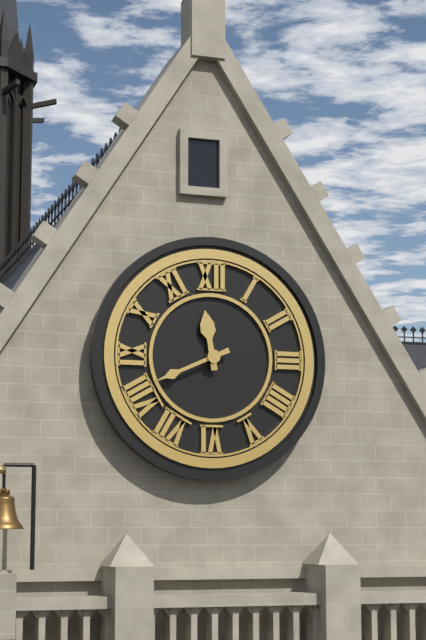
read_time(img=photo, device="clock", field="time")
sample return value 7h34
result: 11h41
